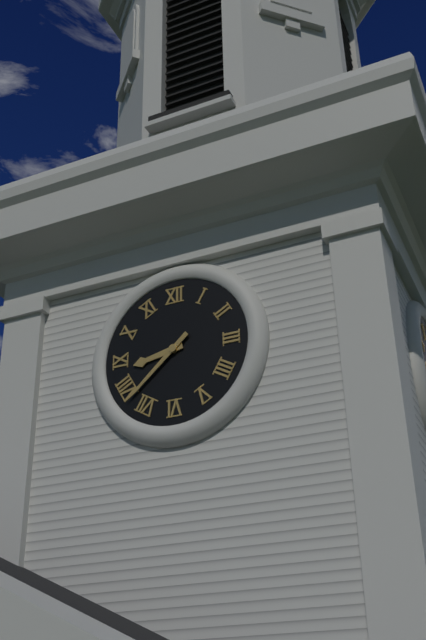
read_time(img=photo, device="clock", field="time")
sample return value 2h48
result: 8h38
